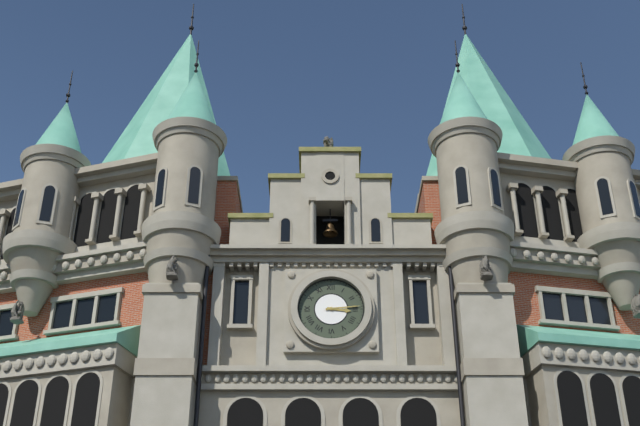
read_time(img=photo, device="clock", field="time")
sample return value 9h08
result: 3h14
